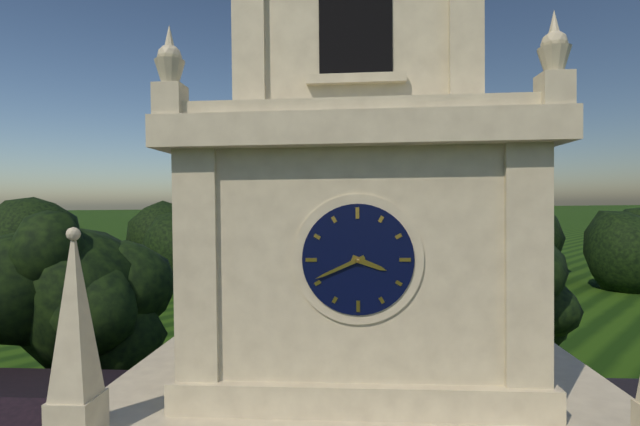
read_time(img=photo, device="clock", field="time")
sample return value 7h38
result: 3h41
